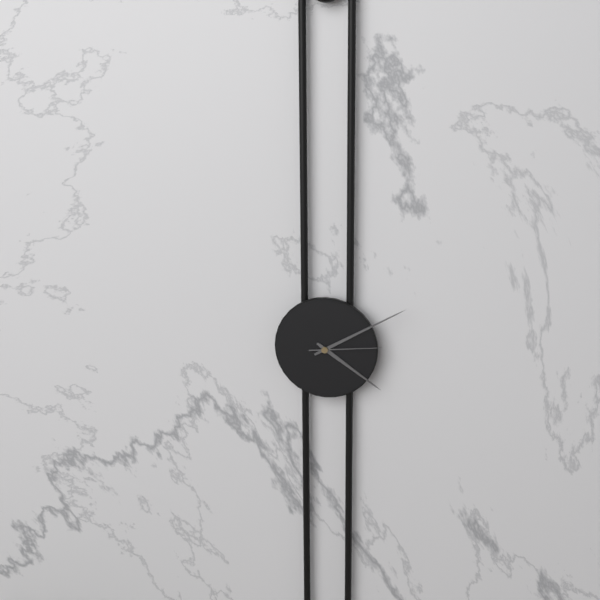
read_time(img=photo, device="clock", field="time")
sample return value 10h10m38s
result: 4h10m14s
